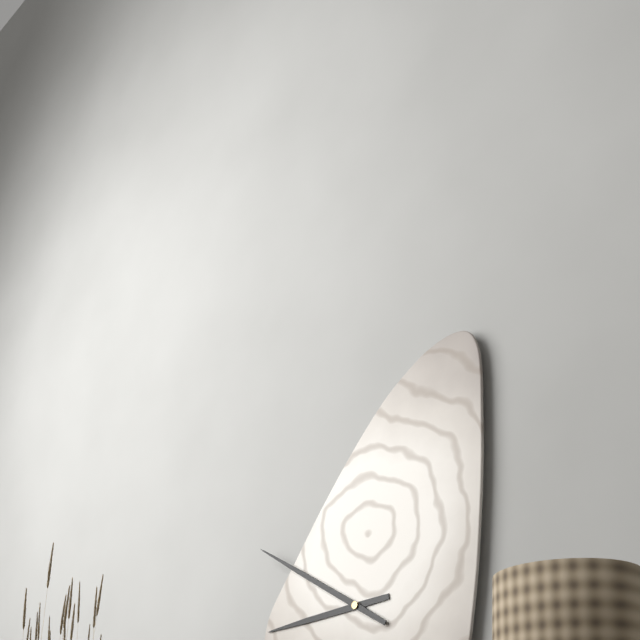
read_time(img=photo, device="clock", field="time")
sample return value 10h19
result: 8h50
